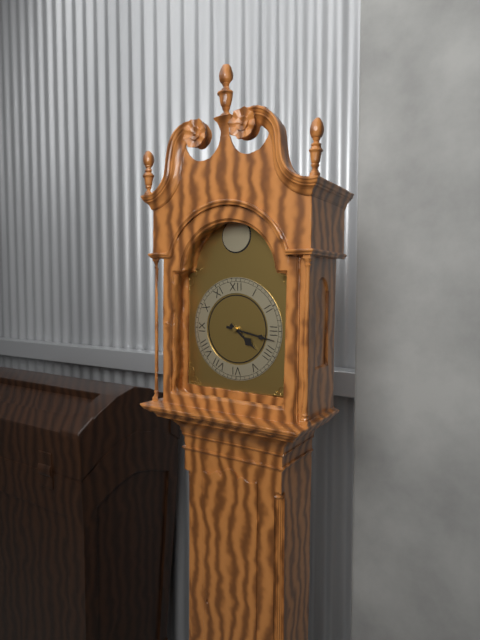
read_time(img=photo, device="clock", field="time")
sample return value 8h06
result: 4h17
